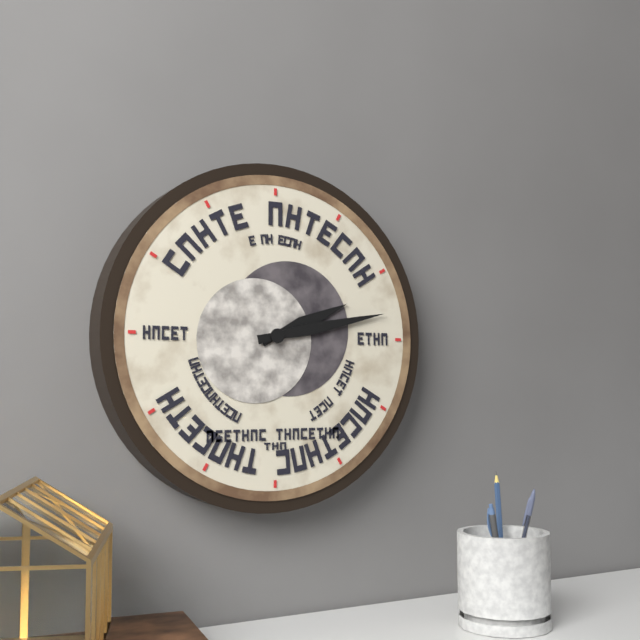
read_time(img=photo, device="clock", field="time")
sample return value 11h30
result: 2h13
